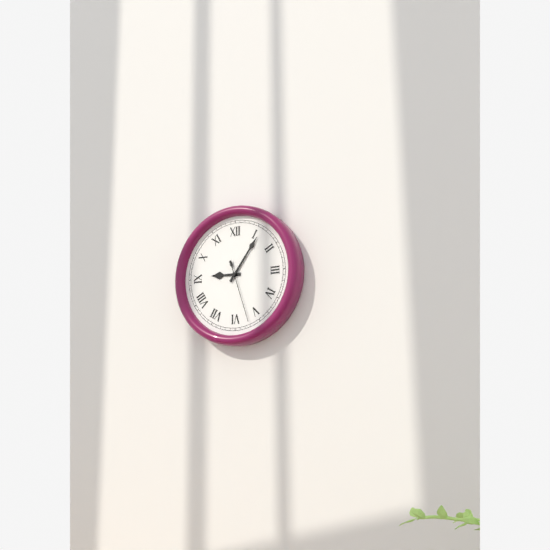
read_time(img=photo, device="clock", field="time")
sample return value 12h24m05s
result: 9h06m27s
